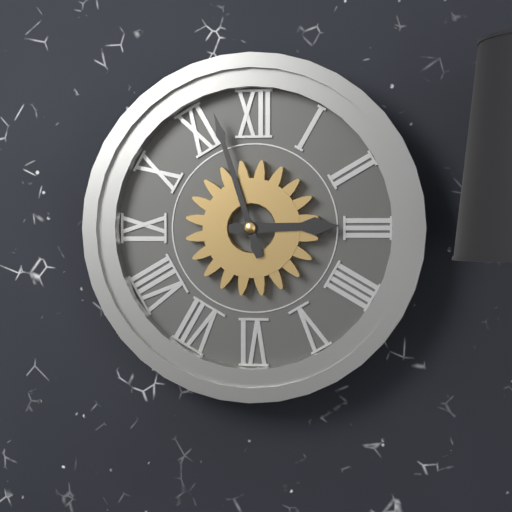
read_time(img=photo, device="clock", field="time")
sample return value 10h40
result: 2h57
